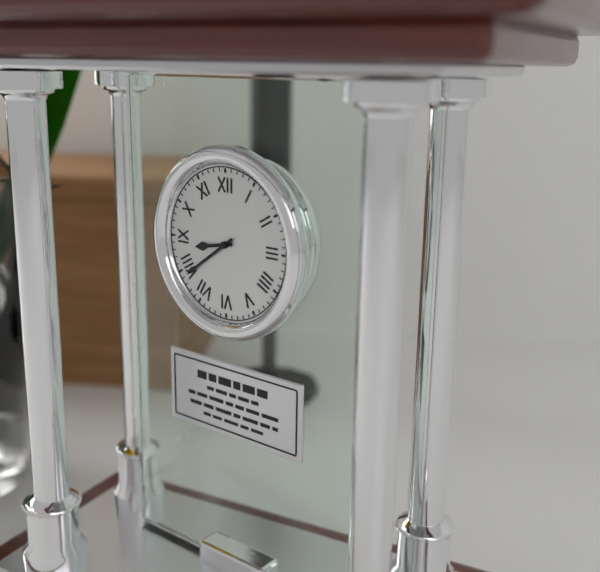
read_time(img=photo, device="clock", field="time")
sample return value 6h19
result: 8h39
